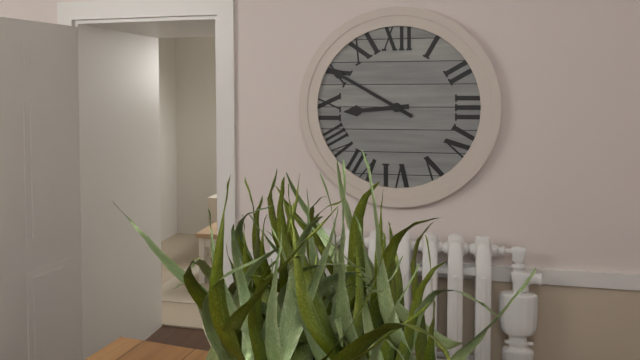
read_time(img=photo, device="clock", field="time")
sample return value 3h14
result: 8h50
